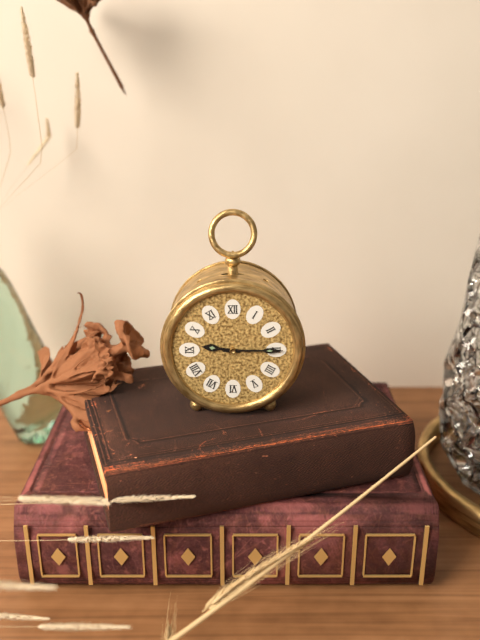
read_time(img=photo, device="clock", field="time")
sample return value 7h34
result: 9h15
